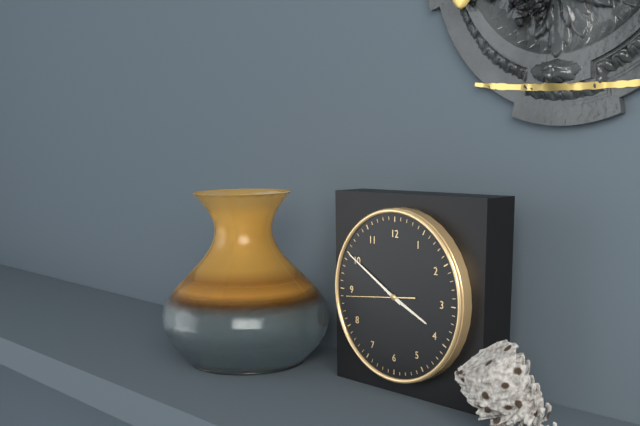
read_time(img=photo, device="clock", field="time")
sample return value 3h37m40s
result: 3h50m44s
